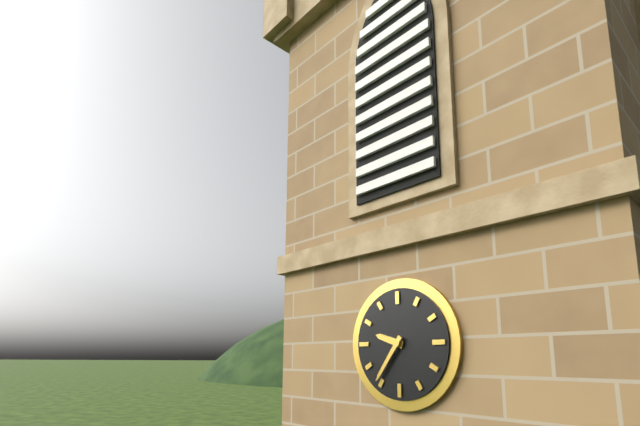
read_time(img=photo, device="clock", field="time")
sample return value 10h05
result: 9h36
